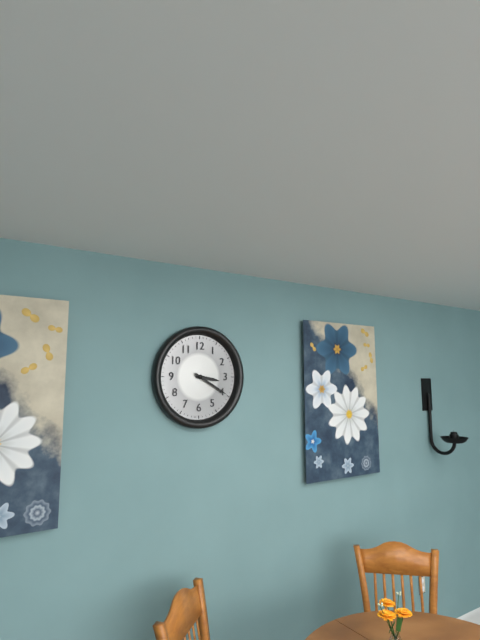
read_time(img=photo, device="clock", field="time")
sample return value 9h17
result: 3h20
